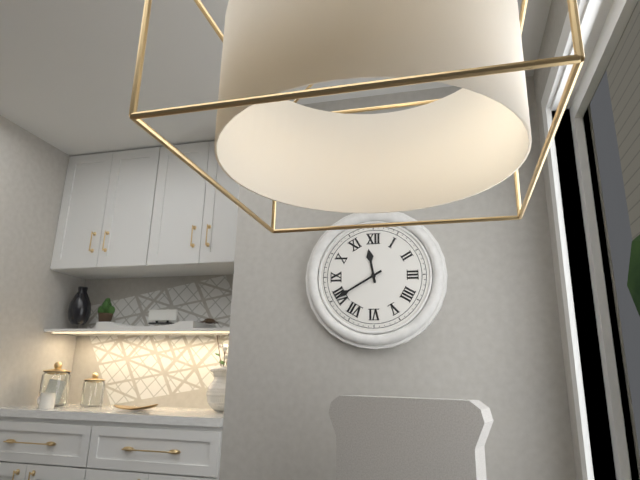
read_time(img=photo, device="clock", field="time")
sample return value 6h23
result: 11h40
